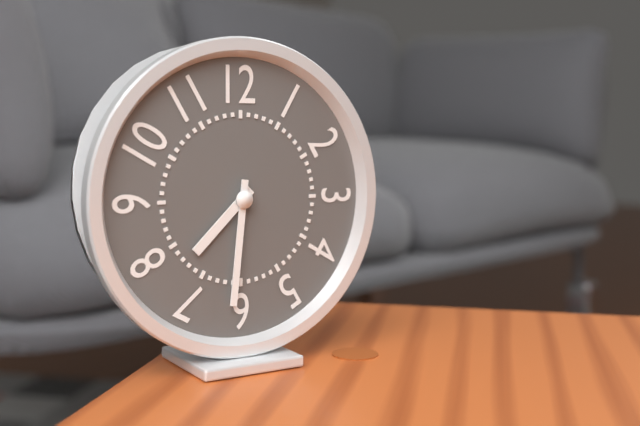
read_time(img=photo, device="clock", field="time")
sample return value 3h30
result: 7h31
